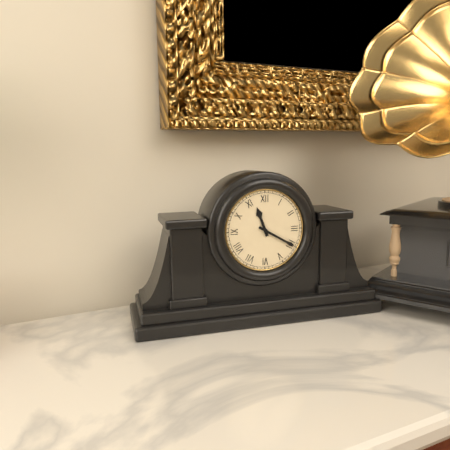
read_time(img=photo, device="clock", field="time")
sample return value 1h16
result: 11h20
